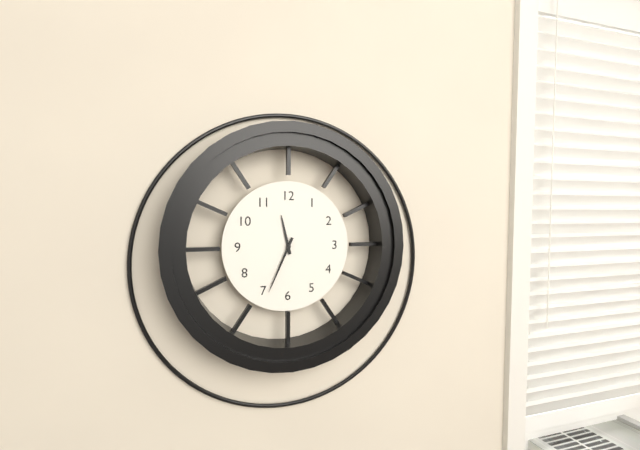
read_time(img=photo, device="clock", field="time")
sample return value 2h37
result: 11h34
